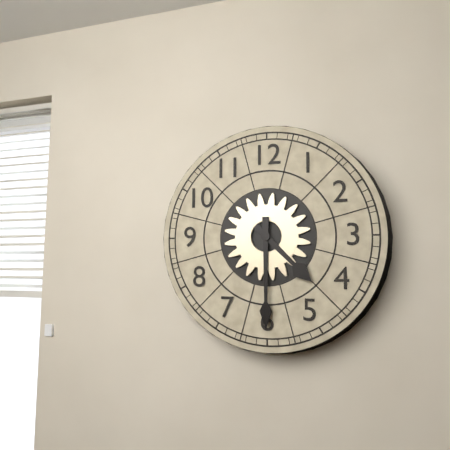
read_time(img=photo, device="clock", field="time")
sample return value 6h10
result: 4h30
